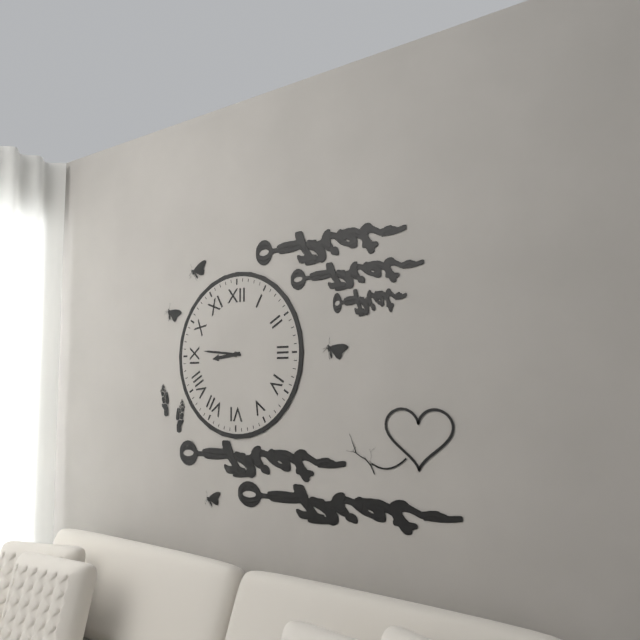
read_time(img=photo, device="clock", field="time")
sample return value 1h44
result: 8h46
